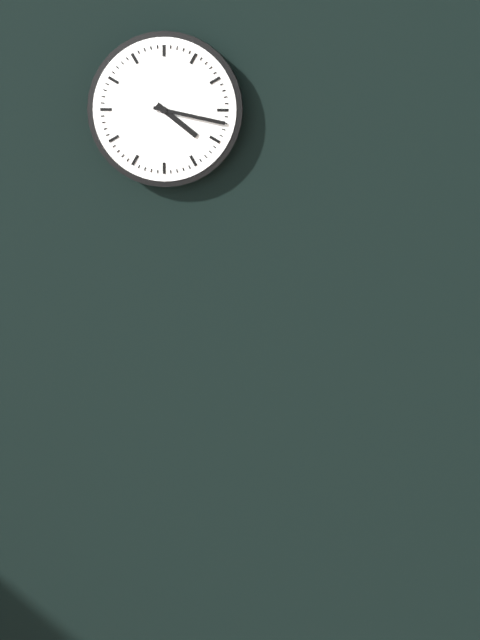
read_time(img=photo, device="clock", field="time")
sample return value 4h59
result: 4h17
